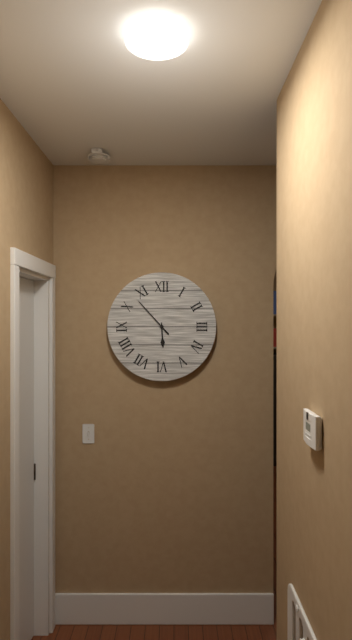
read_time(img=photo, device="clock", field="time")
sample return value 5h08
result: 5h53
